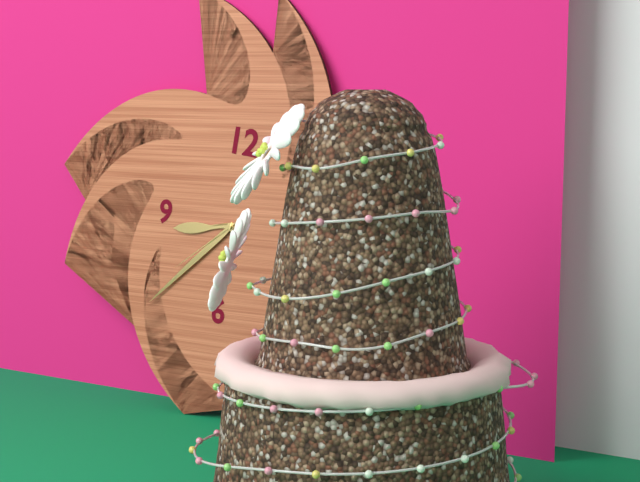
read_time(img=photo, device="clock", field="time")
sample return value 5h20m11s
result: 8h37m38s
